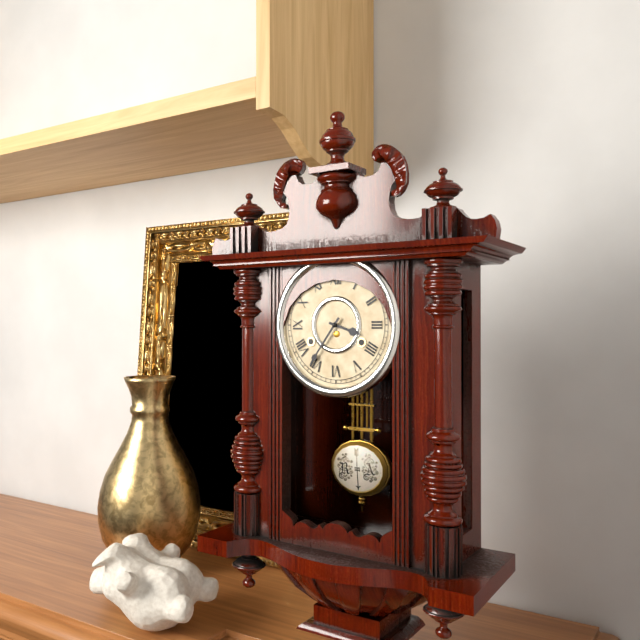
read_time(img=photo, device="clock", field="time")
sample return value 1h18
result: 3h36
